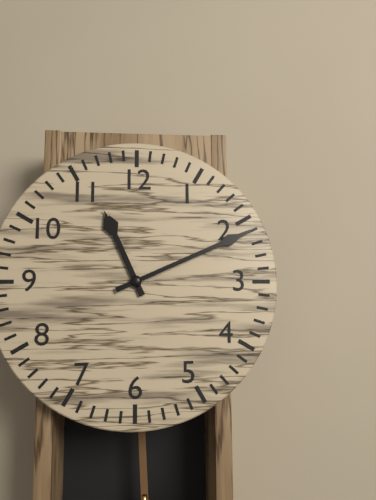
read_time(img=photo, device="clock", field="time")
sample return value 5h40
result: 11h11
